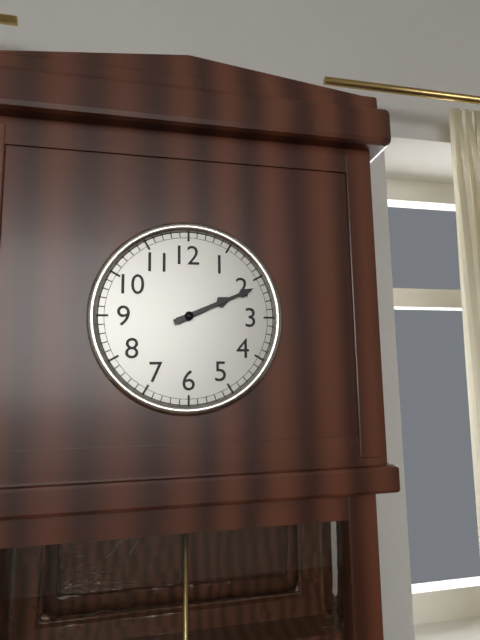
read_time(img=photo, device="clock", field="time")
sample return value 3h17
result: 2h11
